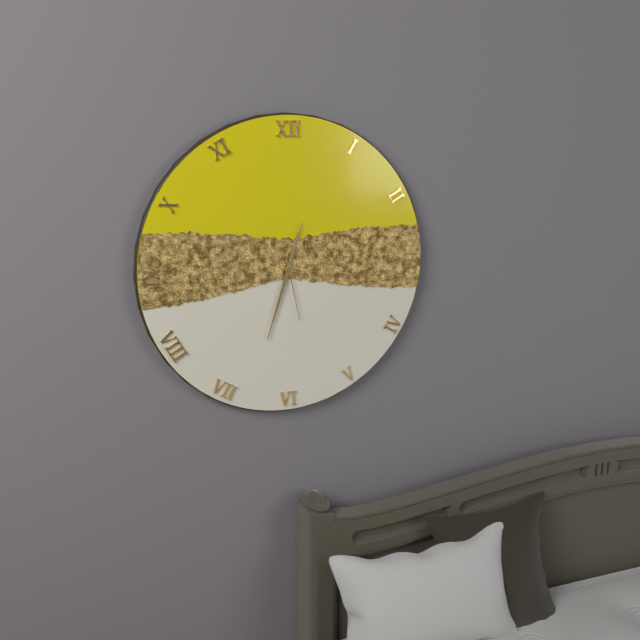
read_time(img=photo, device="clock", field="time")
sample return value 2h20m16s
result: 12h33m28s
